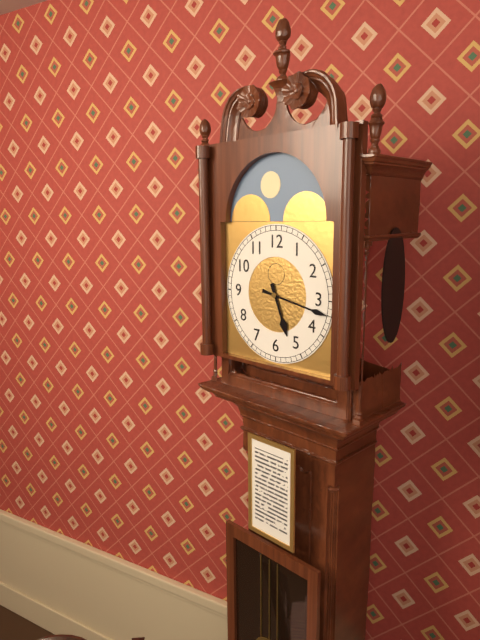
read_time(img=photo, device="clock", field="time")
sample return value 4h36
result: 5h17
